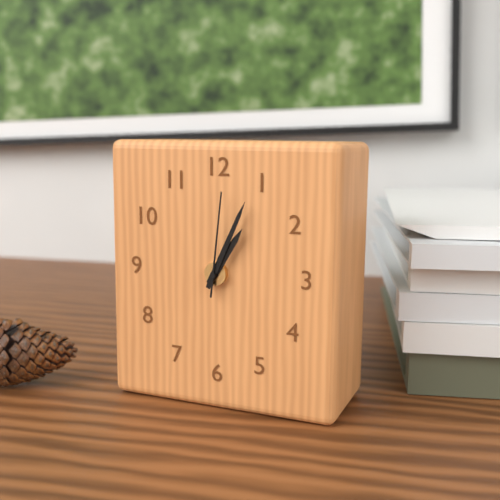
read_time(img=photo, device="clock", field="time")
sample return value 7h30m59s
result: 1h04m01s
